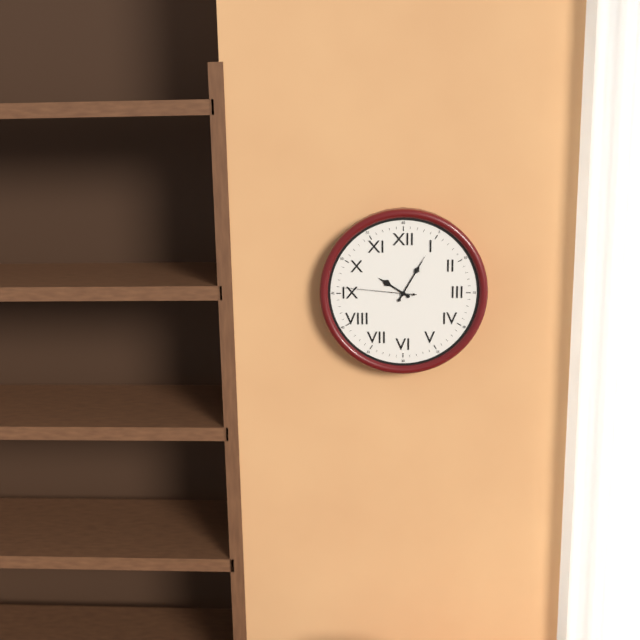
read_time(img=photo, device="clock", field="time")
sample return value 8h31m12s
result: 10h05m46s
